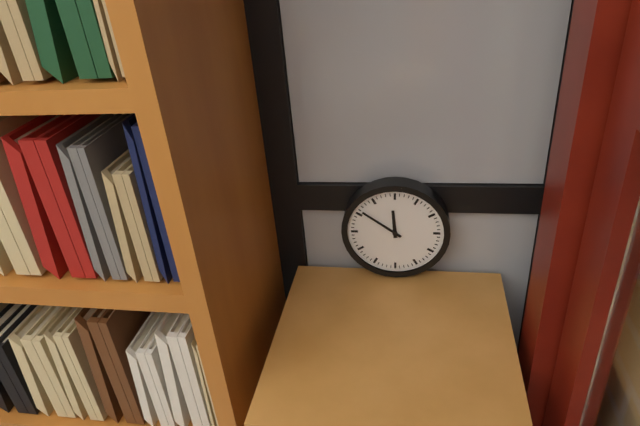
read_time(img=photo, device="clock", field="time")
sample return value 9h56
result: 11h51
